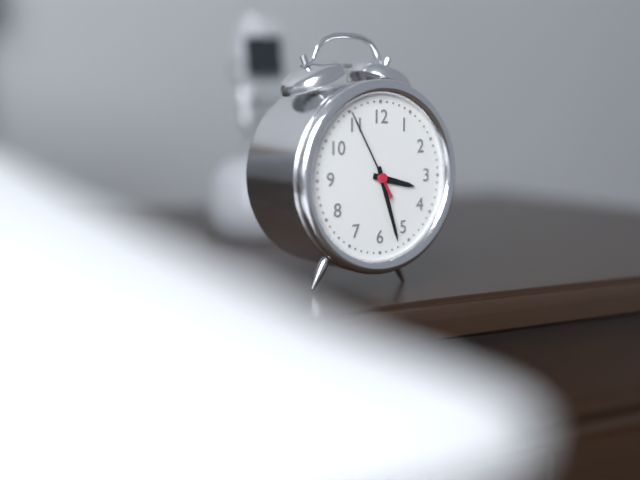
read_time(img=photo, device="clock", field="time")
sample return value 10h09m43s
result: 3h27m55s
